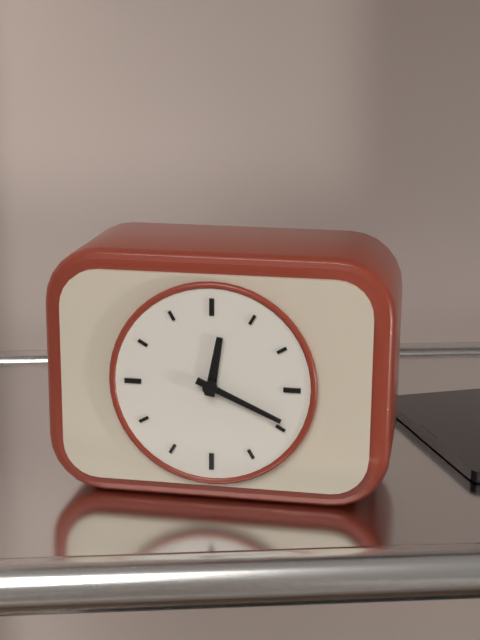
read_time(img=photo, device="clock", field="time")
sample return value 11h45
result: 12h19
